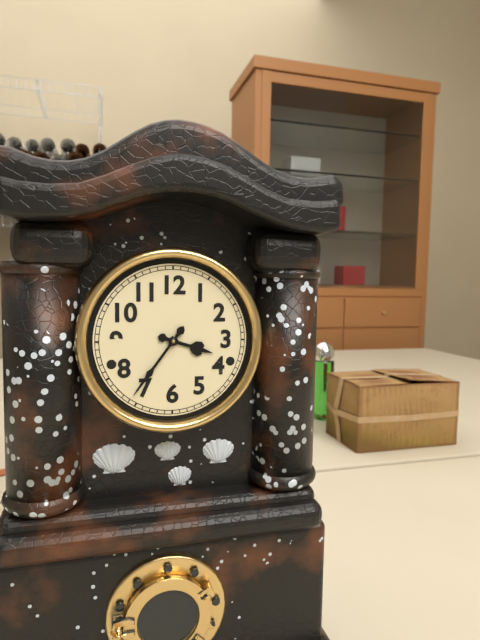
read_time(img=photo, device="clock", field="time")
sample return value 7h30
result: 3h36
